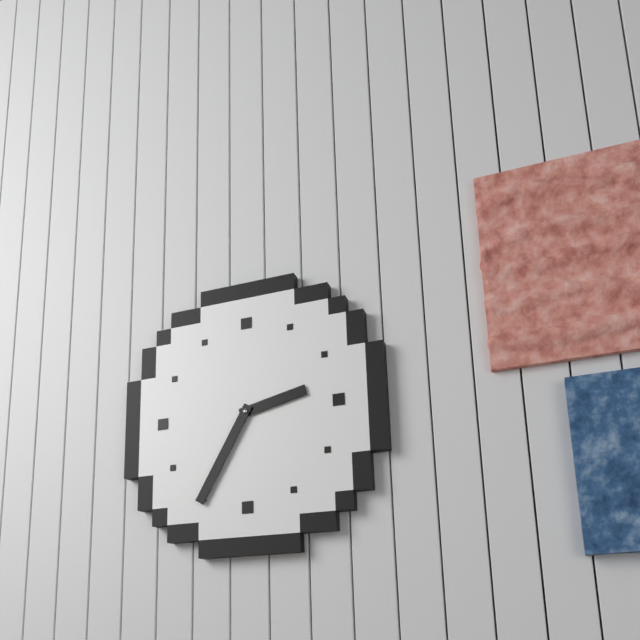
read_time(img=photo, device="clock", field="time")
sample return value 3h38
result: 2h35
